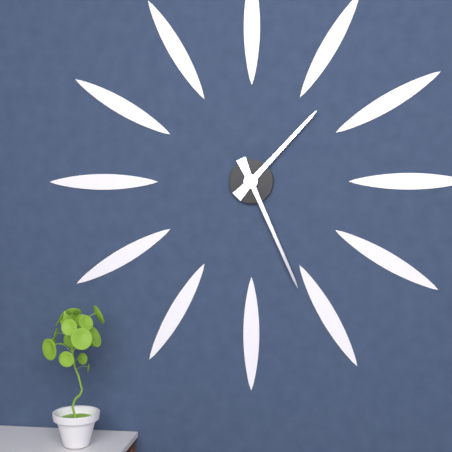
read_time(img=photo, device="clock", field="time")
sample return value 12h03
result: 1h26
